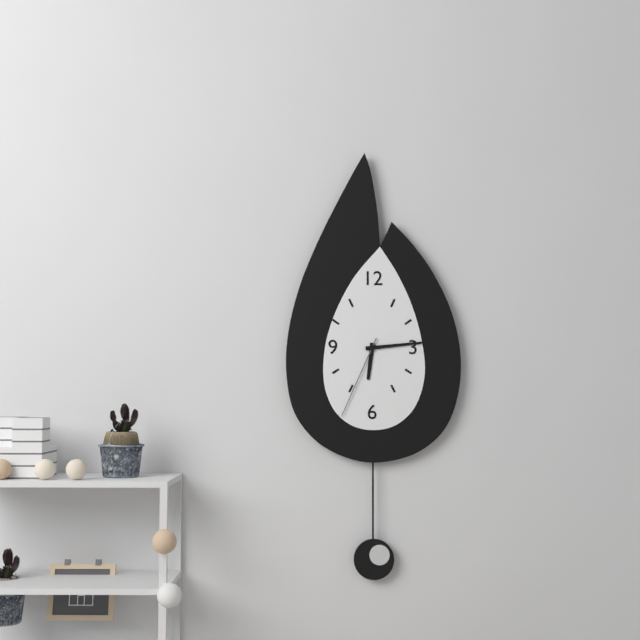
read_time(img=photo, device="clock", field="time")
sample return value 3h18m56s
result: 6h14m34s
